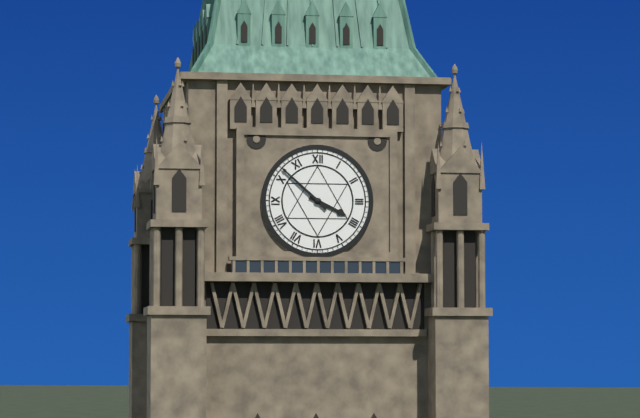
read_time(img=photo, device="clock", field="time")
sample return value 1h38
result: 3h52
